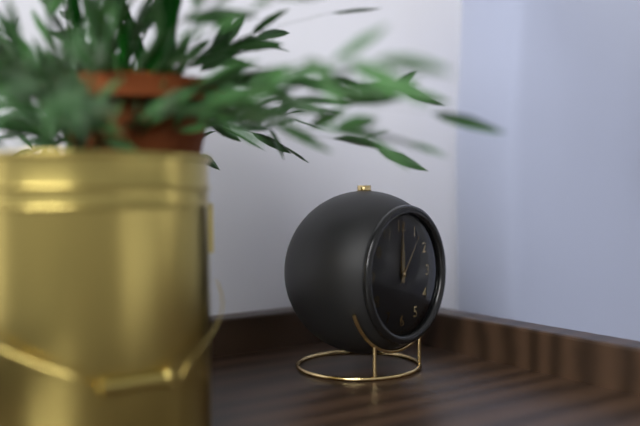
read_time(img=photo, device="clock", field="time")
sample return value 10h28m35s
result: 12h00m06s
